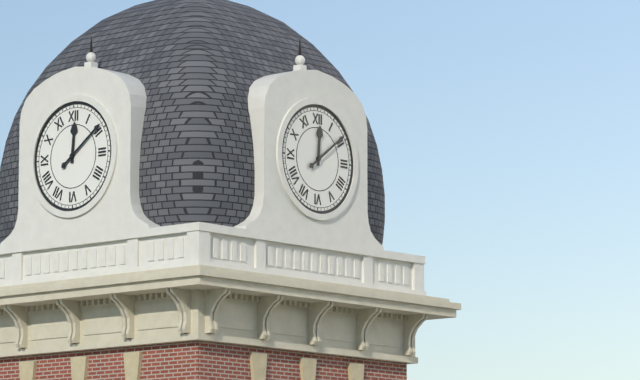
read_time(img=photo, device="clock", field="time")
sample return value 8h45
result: 12h09
